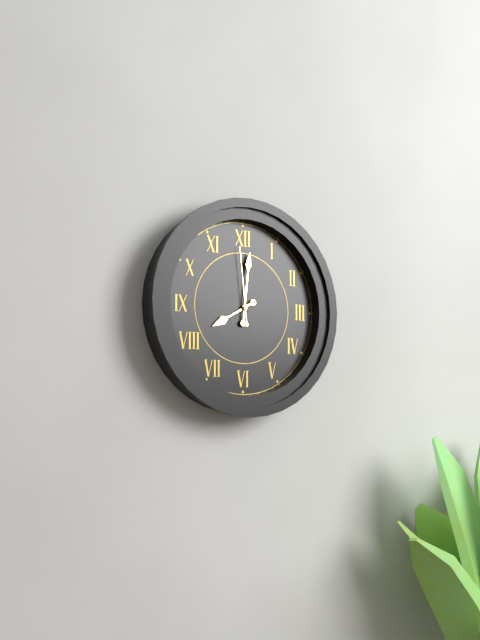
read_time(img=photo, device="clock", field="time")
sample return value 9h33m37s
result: 8h01m59s
